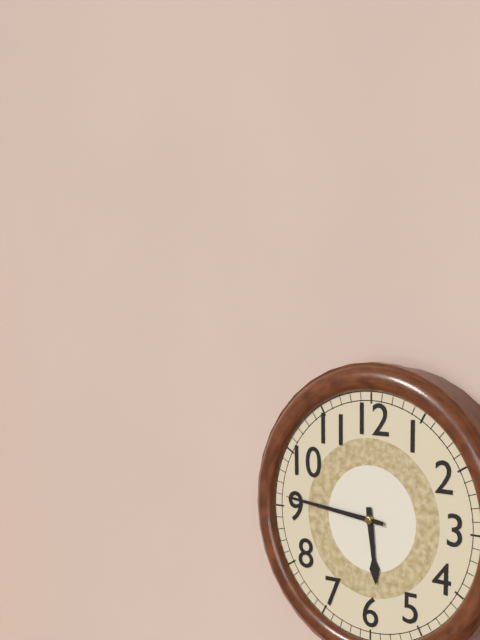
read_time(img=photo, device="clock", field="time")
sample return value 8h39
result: 5h46
